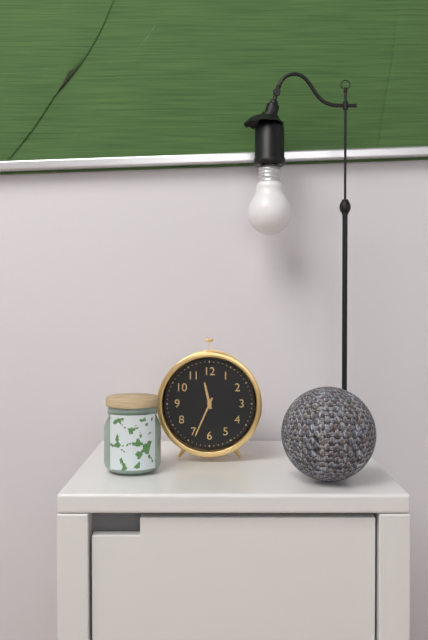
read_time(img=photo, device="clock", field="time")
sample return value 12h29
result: 11h34
